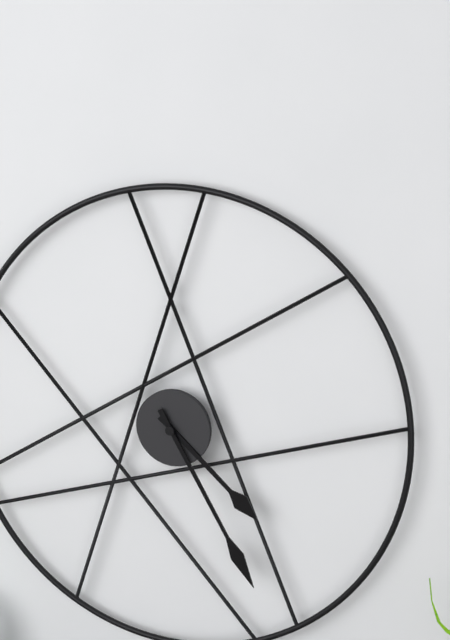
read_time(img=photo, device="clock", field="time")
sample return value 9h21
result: 4h25
